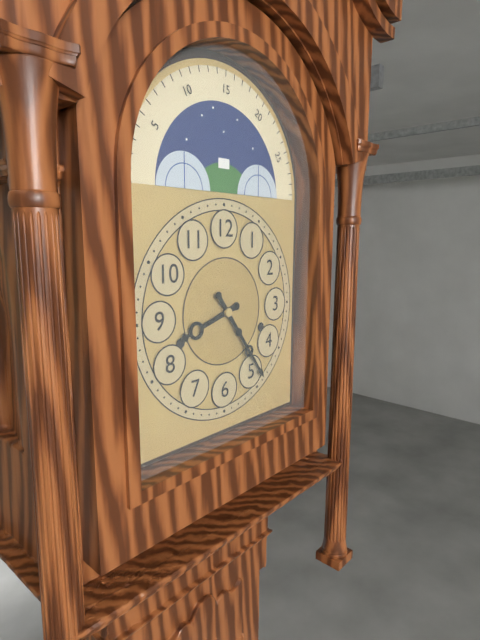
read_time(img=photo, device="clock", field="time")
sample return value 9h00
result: 8h24
